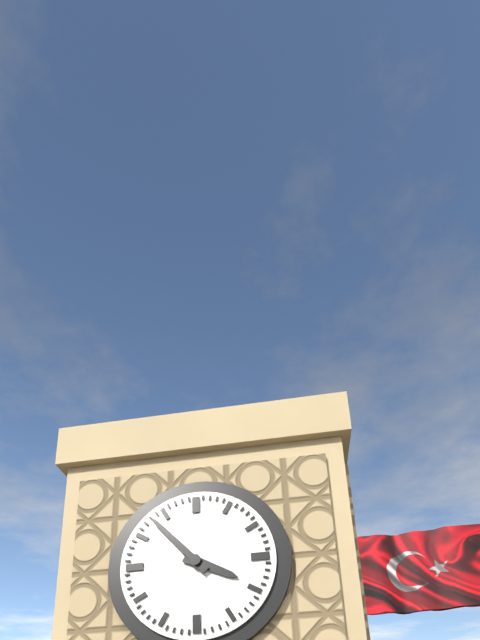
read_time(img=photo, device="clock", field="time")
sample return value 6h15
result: 3h53
